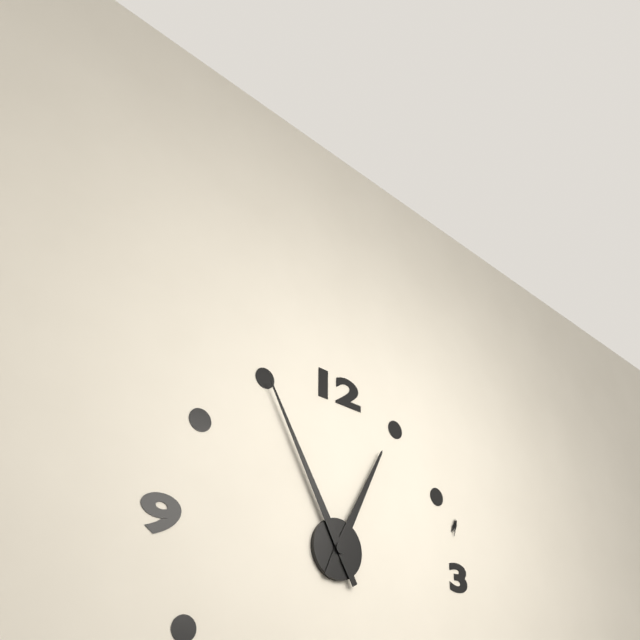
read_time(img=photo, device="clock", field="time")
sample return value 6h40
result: 12h55
